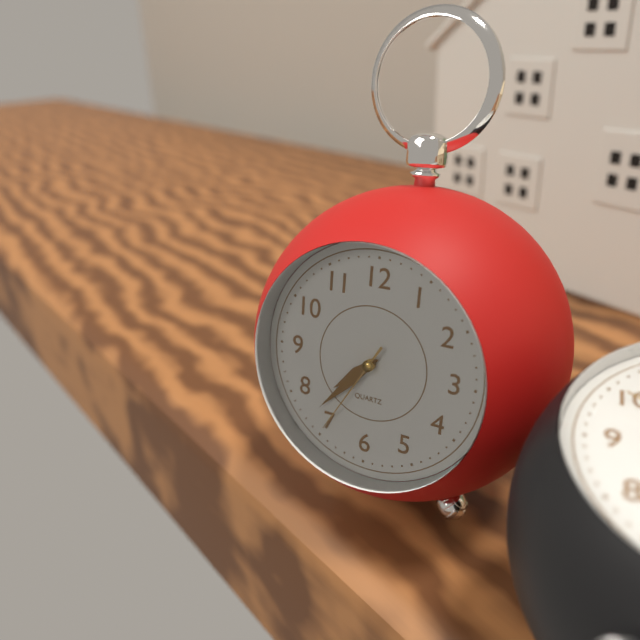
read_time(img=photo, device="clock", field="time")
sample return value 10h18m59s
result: 7h37m35s
